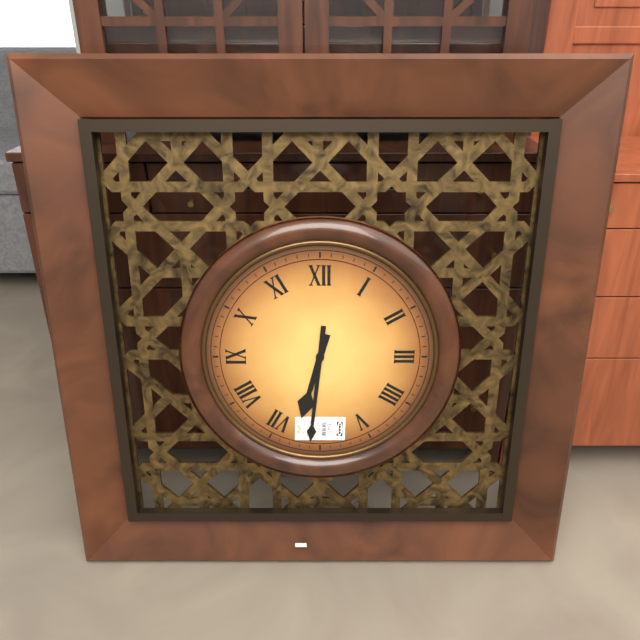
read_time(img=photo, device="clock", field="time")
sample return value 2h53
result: 6h31
